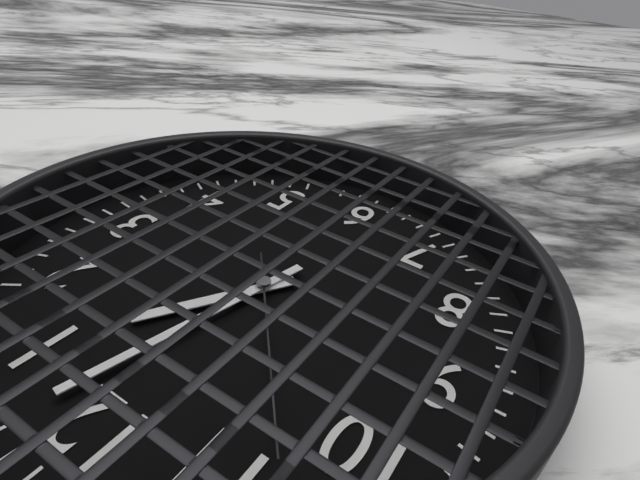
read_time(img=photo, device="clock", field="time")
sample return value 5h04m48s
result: 1h02m53s
